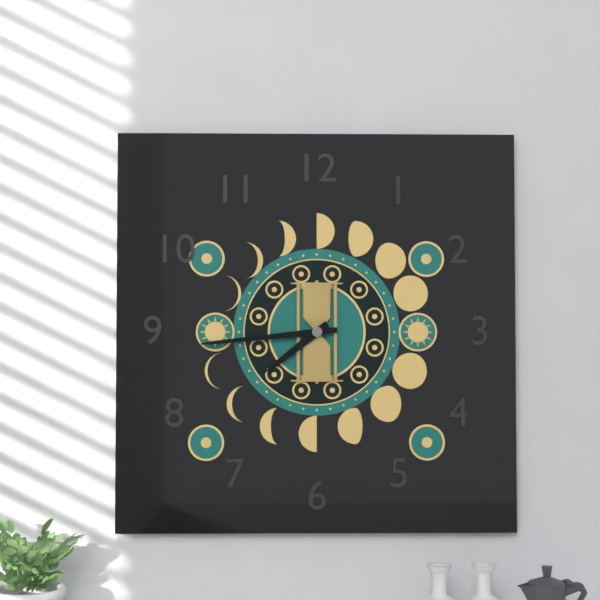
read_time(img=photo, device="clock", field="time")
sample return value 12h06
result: 7h44
